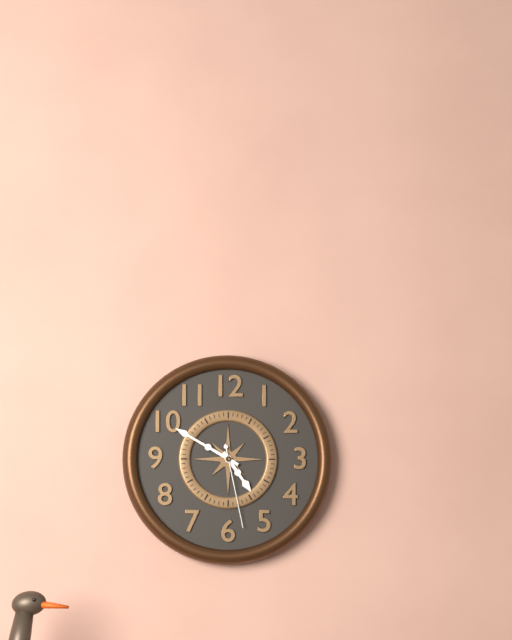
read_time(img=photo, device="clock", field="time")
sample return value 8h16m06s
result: 4h50m28s
